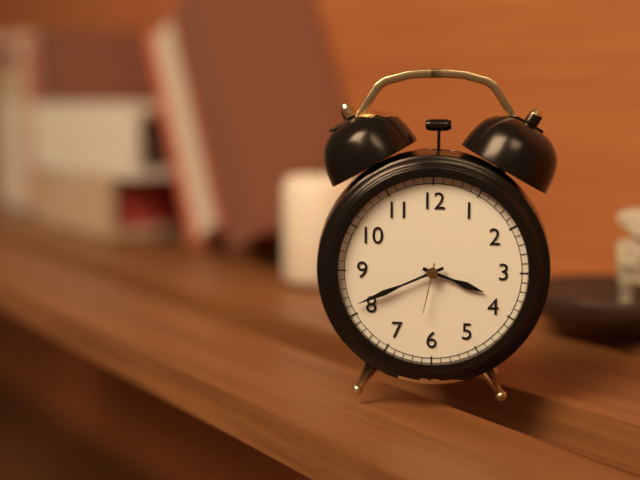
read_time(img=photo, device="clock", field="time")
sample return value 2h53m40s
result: 3h41m32s
